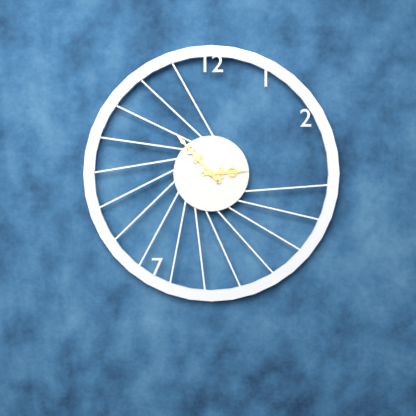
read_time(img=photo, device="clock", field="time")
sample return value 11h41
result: 2h53
